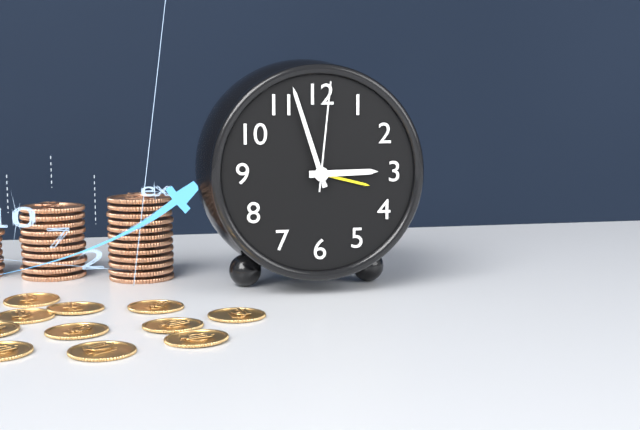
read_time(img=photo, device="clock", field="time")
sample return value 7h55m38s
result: 2h57m01s
